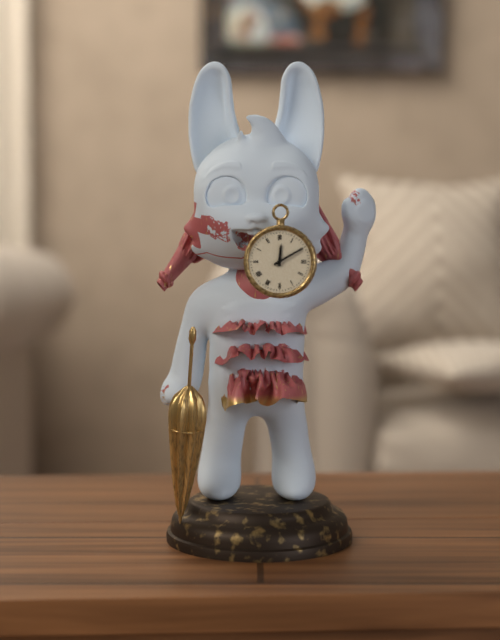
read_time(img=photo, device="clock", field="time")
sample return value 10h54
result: 12h10
